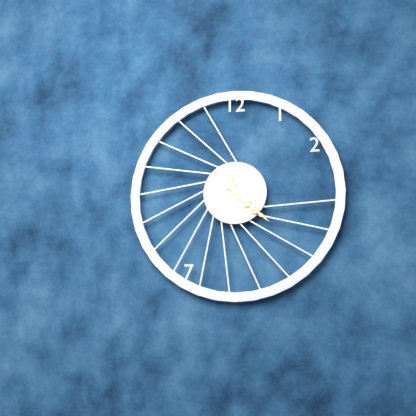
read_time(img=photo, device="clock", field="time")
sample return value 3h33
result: 11h22
